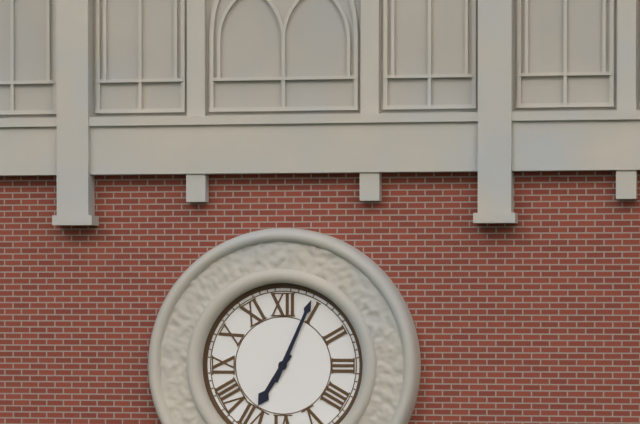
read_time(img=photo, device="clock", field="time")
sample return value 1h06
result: 7h04
